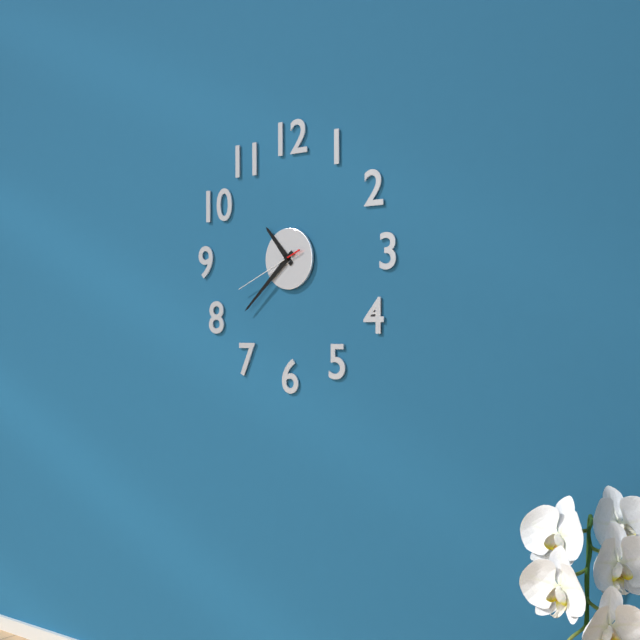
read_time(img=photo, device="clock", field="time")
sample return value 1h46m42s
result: 10h38m41s
